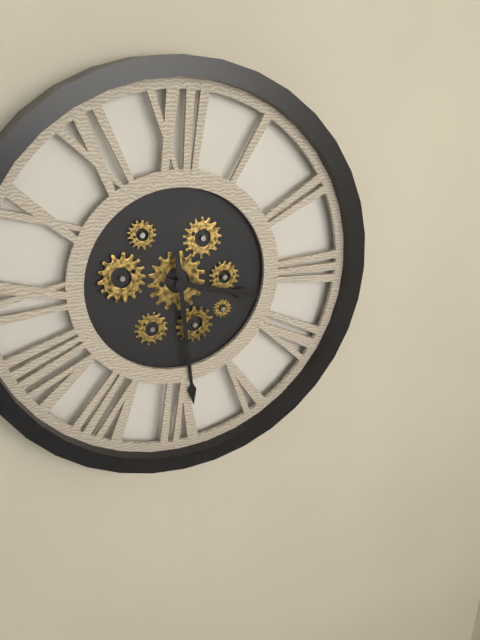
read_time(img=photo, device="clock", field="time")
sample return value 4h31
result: 3h29
